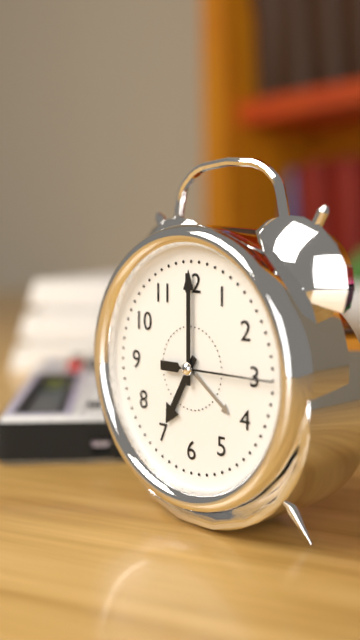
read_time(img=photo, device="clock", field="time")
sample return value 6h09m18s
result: 7h00m15s
